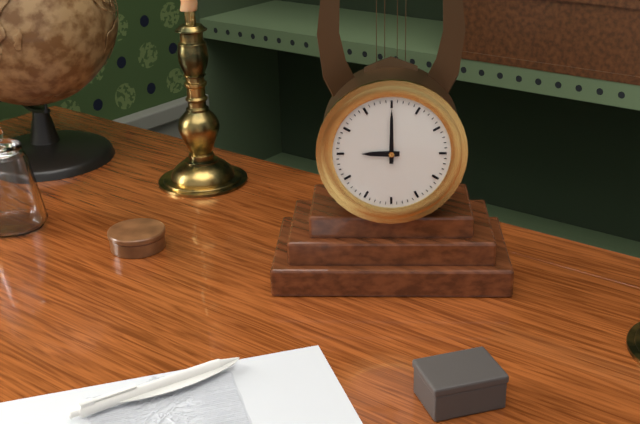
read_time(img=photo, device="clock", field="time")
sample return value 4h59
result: 9h00
